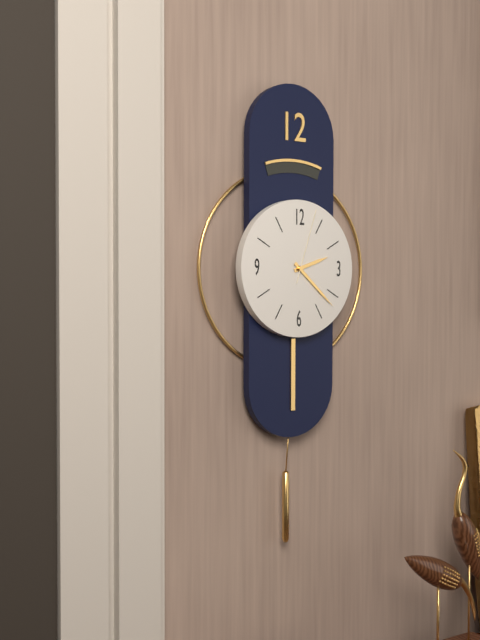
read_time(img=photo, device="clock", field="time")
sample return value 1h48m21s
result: 2h22m03s
